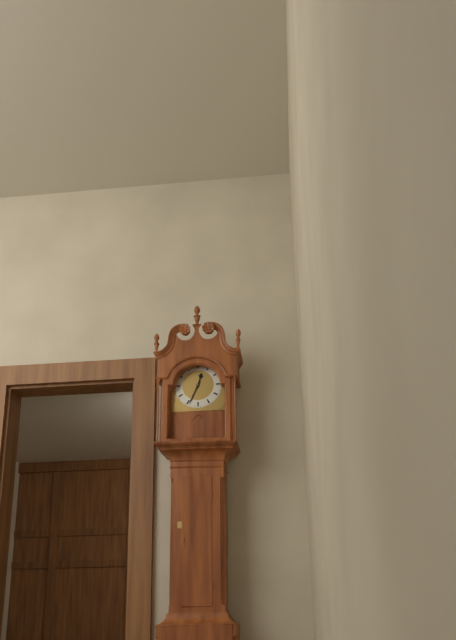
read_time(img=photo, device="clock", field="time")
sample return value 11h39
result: 12h34
